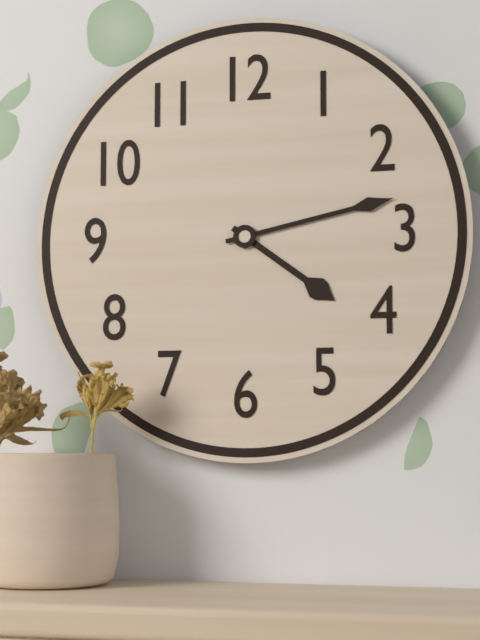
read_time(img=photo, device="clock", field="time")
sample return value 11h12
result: 4h13
